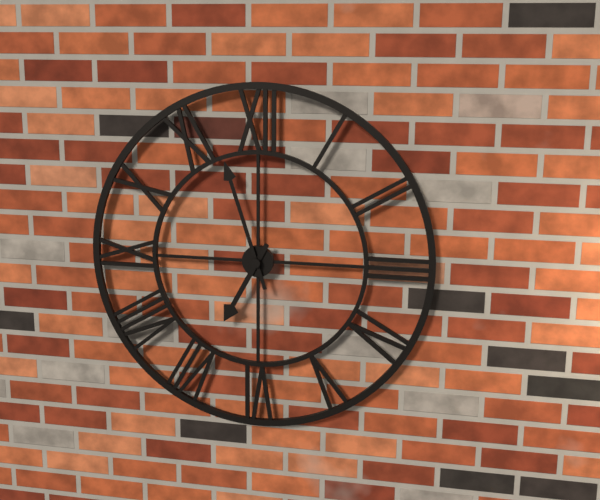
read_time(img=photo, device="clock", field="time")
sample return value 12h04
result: 6h57
